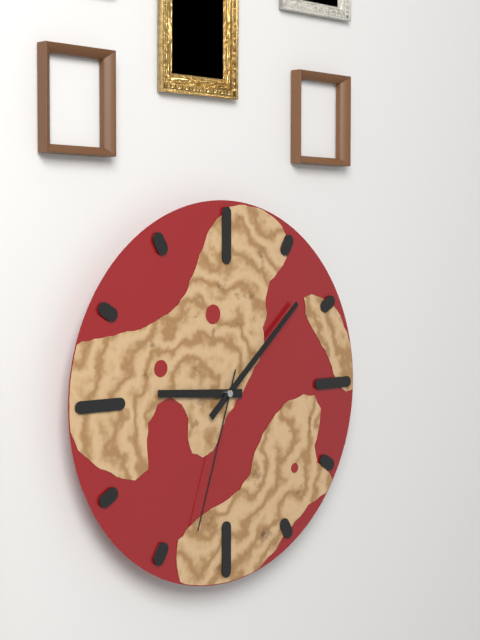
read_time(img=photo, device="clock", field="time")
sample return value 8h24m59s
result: 9h08m33s
